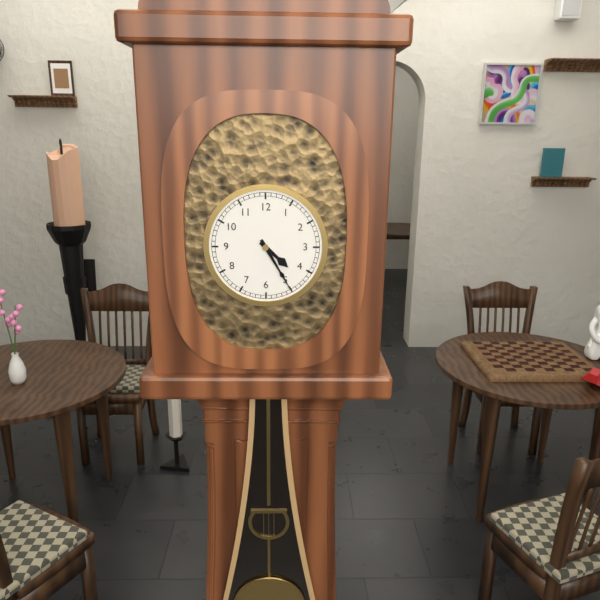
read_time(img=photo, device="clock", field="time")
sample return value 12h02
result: 4h25
